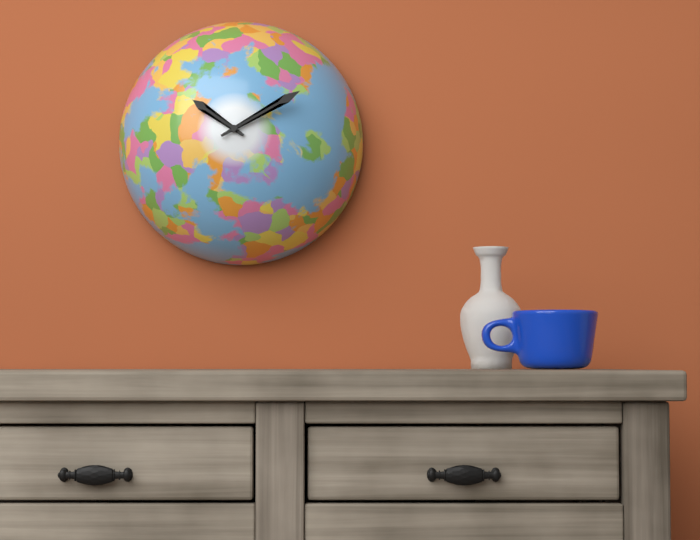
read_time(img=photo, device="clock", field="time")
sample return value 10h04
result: 10h10
